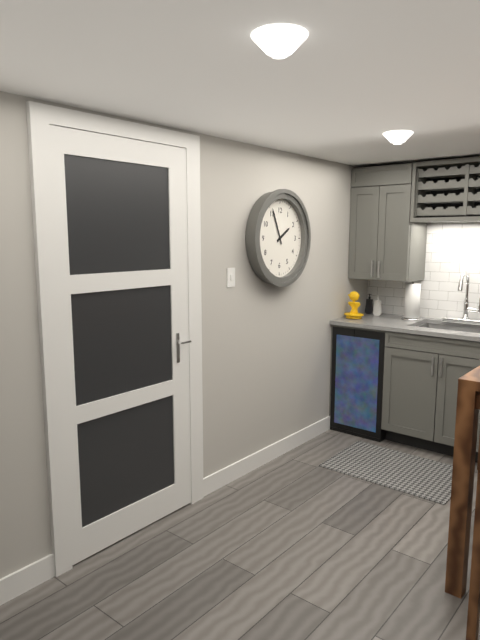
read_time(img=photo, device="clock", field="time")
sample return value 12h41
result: 1h56
